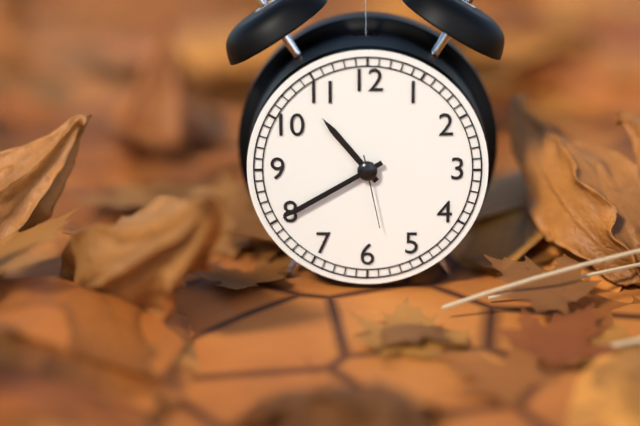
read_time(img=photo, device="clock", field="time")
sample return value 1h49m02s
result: 10h40m28s
